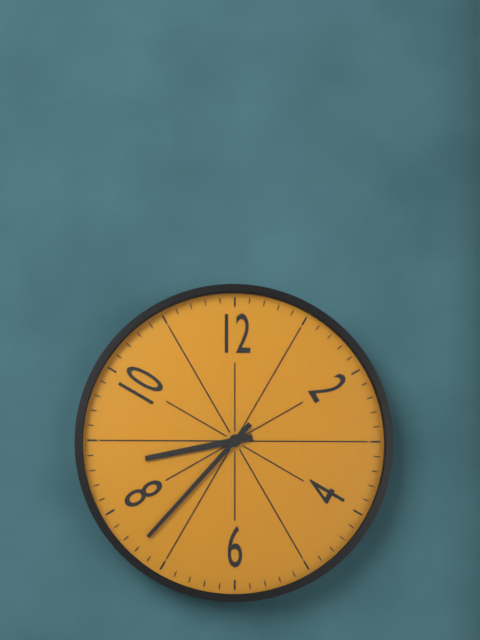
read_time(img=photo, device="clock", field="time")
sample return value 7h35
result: 8h37
